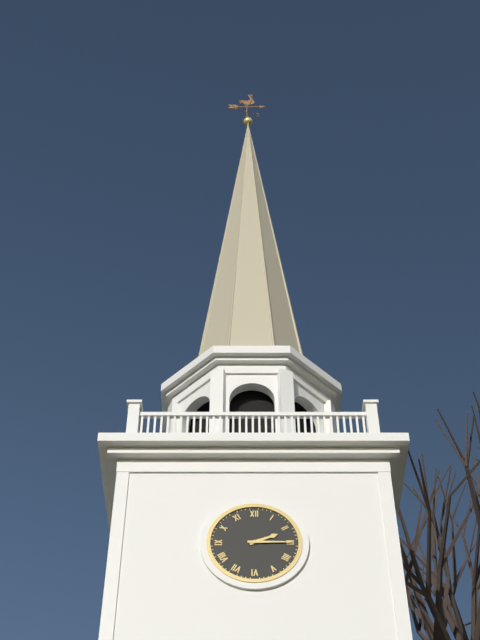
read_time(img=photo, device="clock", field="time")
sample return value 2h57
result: 2h15
